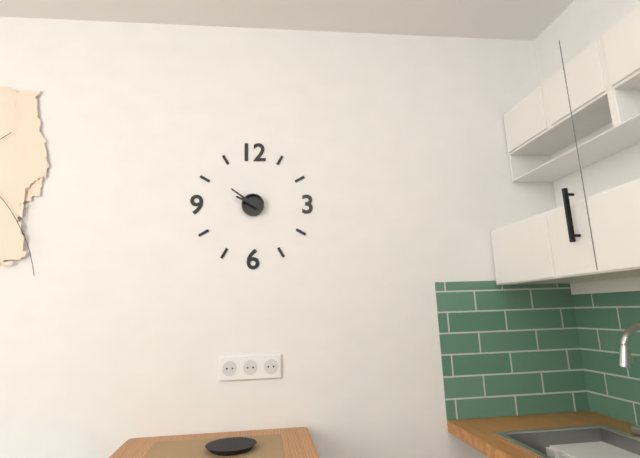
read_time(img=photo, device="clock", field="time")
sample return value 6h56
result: 9h51
